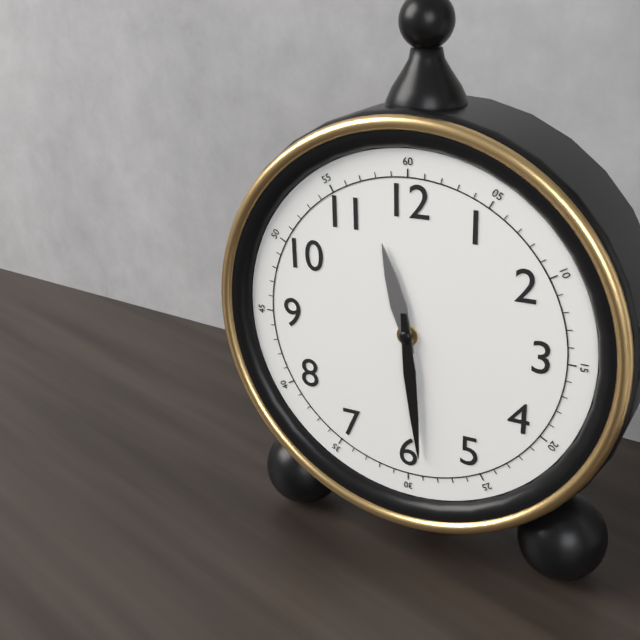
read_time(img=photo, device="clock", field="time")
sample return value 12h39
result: 11h29
